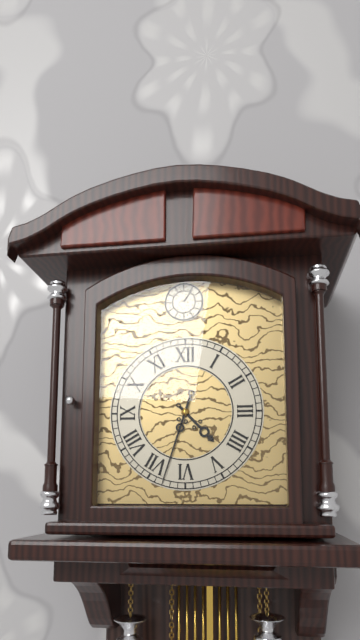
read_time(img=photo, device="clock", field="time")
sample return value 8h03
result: 4h33
